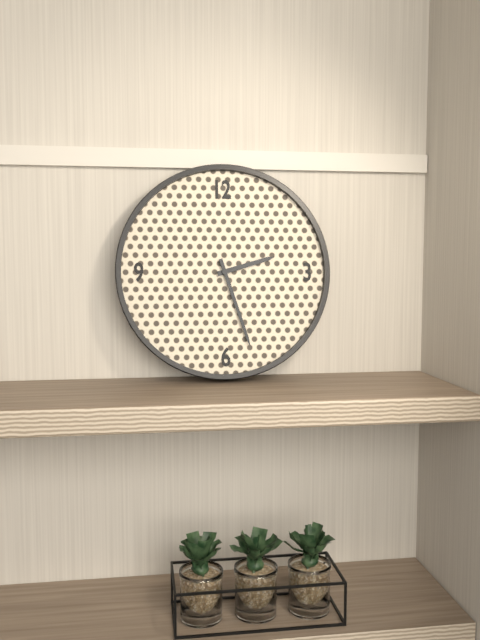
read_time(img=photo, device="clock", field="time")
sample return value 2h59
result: 2h27
